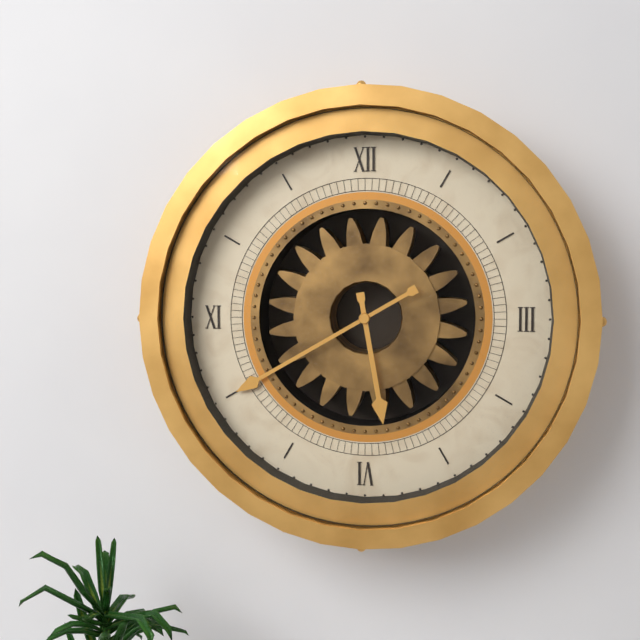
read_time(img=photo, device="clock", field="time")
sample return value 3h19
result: 5h40
